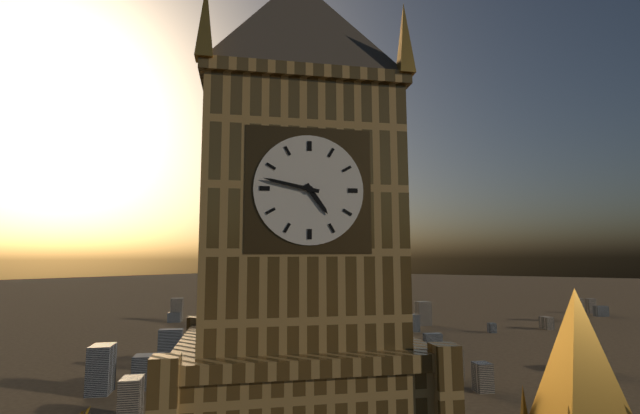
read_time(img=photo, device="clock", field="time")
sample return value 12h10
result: 4h47
